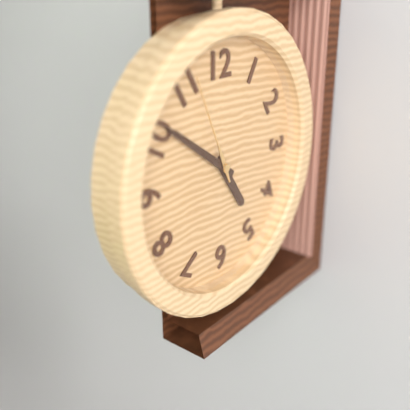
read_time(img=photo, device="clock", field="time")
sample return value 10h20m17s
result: 4h51m56s
